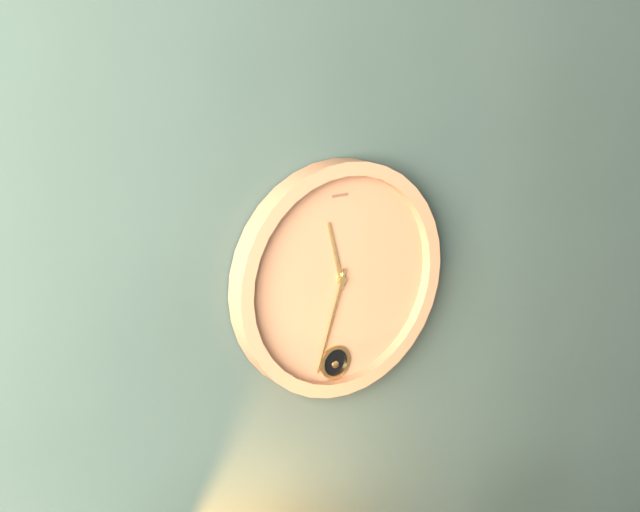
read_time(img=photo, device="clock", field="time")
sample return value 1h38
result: 11h33
